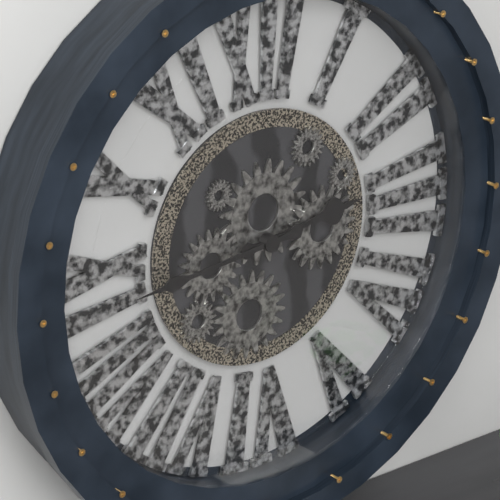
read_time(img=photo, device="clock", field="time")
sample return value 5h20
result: 2h44
